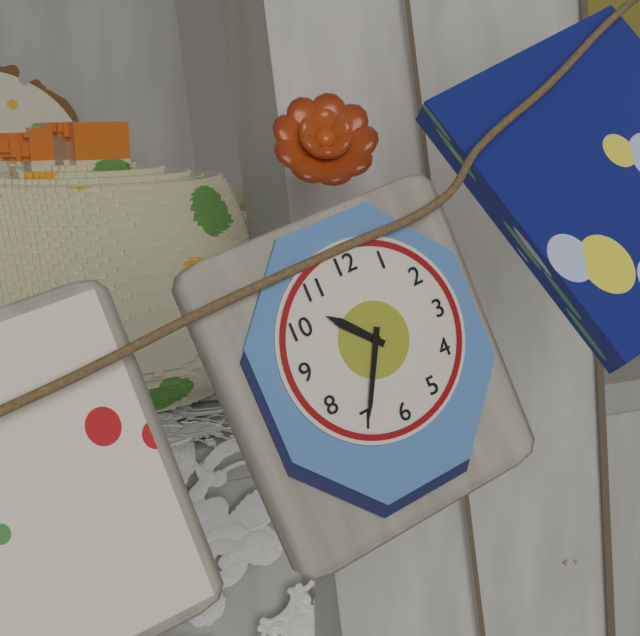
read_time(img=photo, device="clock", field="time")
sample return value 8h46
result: 10h35
